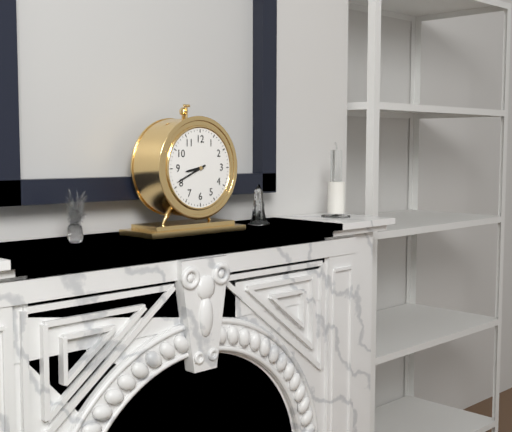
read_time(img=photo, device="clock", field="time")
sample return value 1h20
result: 8h41
